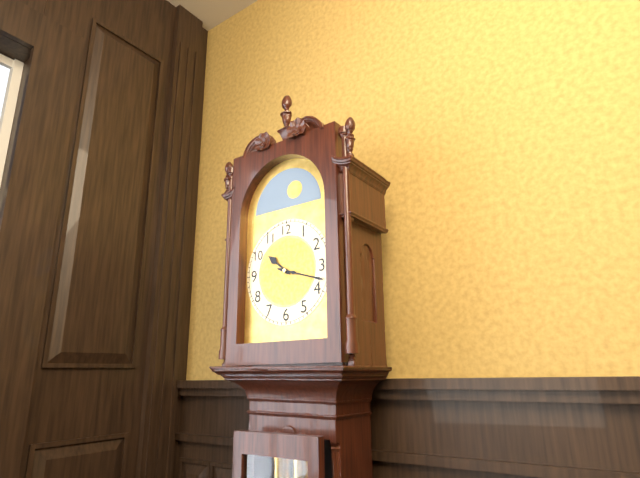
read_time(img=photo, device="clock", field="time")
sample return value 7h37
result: 10h18
